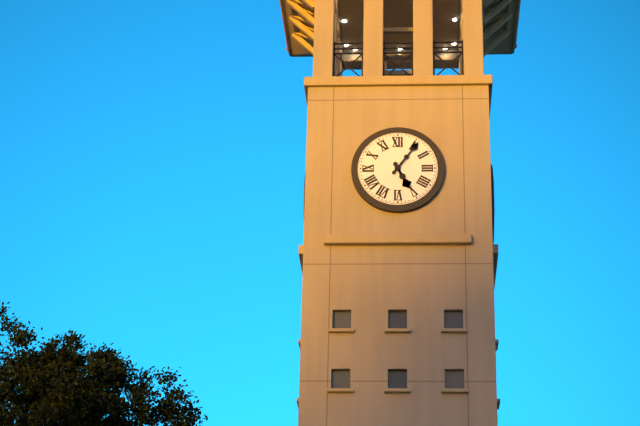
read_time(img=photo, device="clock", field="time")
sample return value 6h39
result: 5h06
